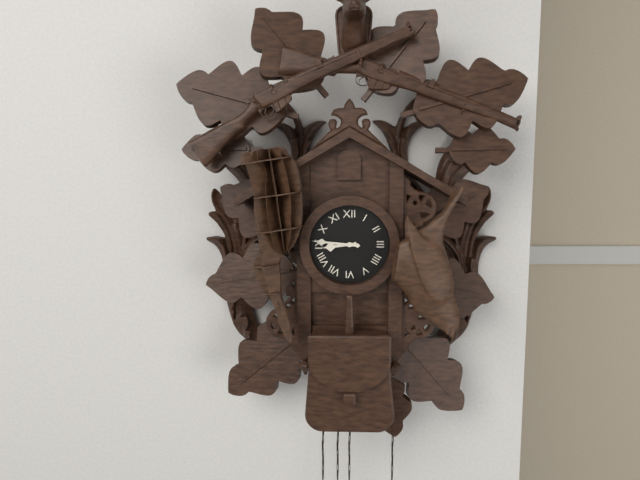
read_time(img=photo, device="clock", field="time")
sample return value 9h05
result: 8h46
